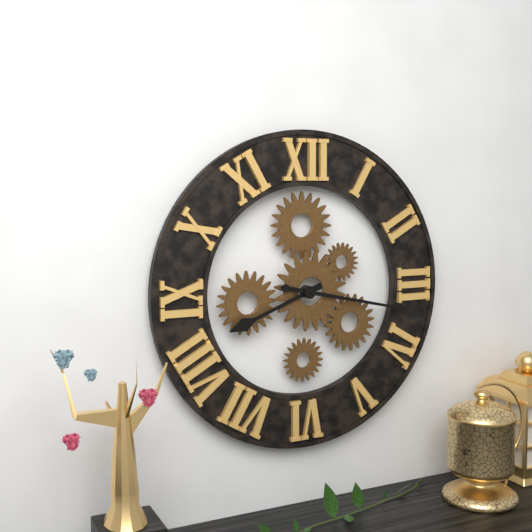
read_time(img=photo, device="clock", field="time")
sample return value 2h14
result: 8h17
